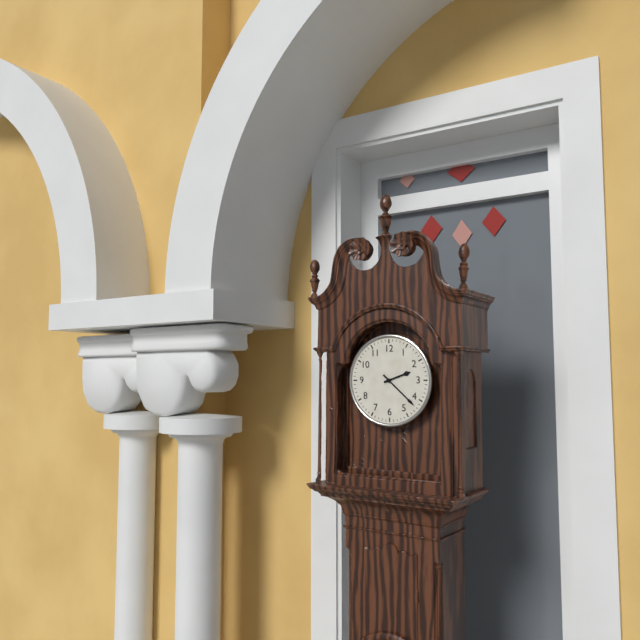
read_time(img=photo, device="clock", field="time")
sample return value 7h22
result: 2h22
